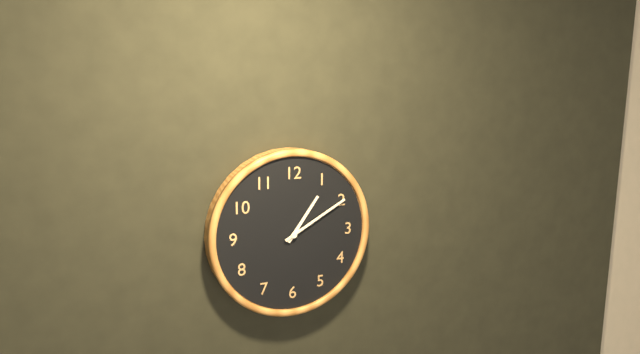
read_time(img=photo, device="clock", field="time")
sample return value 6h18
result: 1h10
